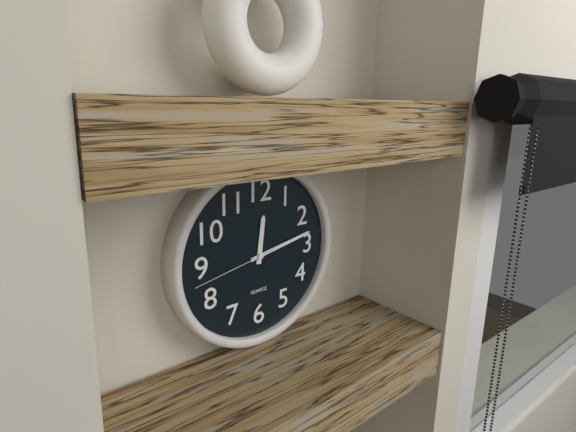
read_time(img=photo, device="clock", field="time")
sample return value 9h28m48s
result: 12h13m43s
